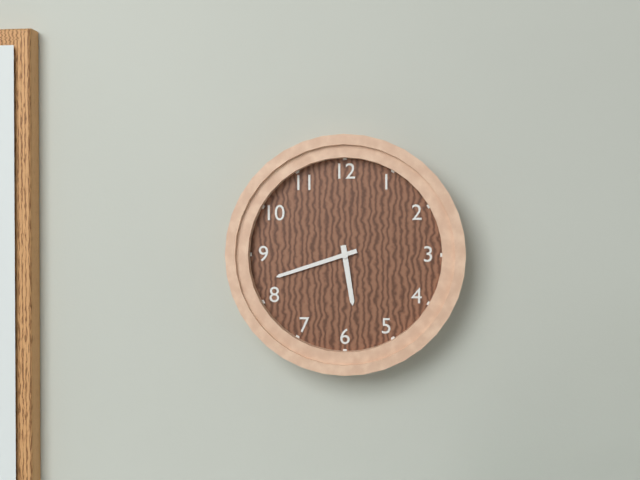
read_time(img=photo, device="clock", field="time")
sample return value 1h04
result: 5h42
